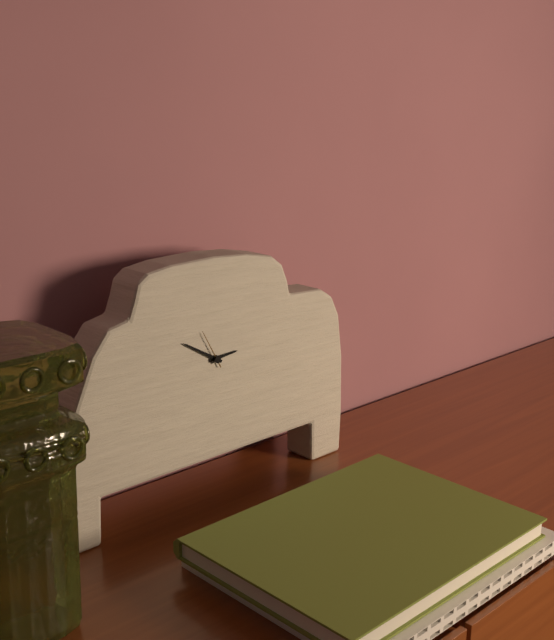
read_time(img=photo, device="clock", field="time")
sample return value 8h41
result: 2h50
